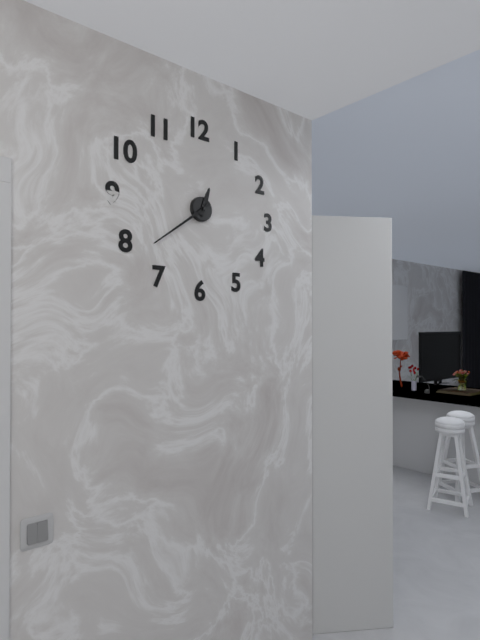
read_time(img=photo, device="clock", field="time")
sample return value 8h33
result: 12h39
